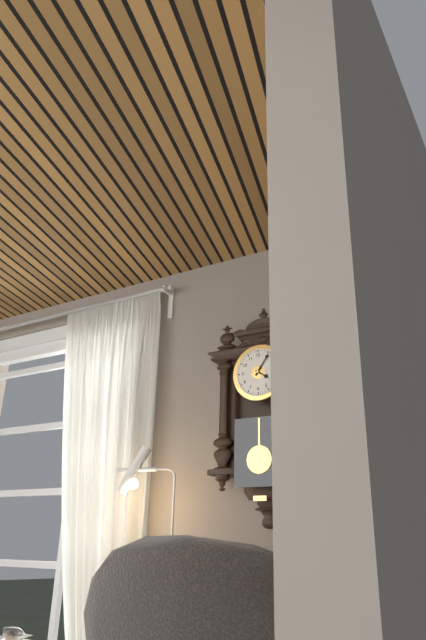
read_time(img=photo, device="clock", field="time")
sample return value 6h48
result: 4h06
